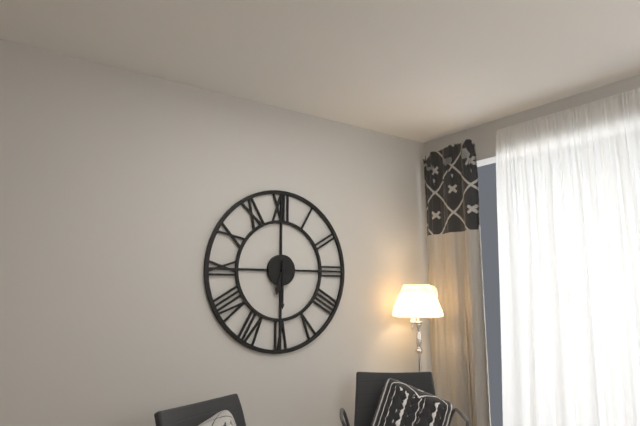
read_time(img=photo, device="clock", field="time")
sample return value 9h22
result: 6h30
